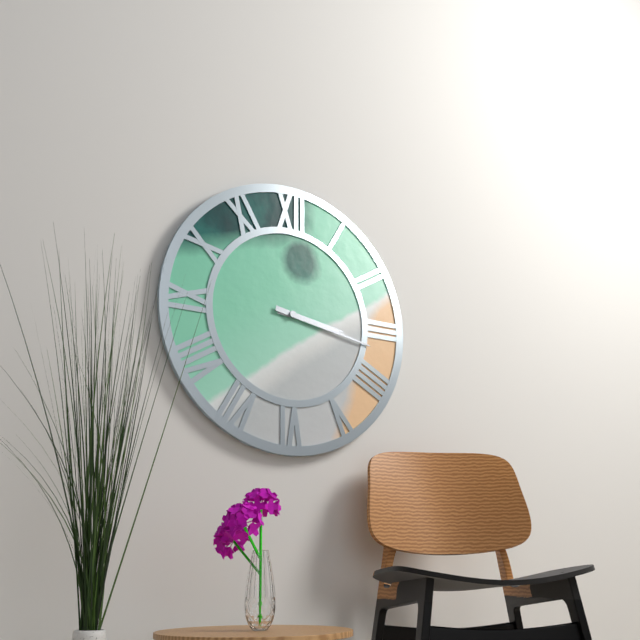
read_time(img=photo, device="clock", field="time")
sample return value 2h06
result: 3h17
